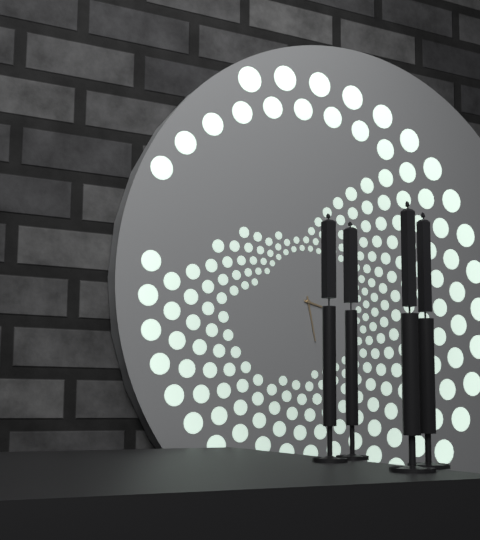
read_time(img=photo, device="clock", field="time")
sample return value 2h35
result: 3h28
